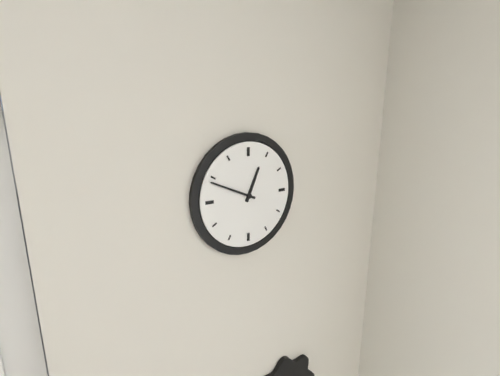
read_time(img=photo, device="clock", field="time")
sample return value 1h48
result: 12h49
